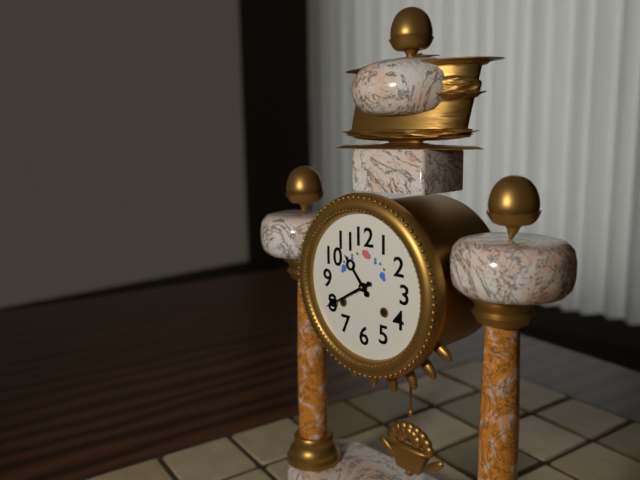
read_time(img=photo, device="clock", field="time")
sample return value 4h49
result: 10h40
